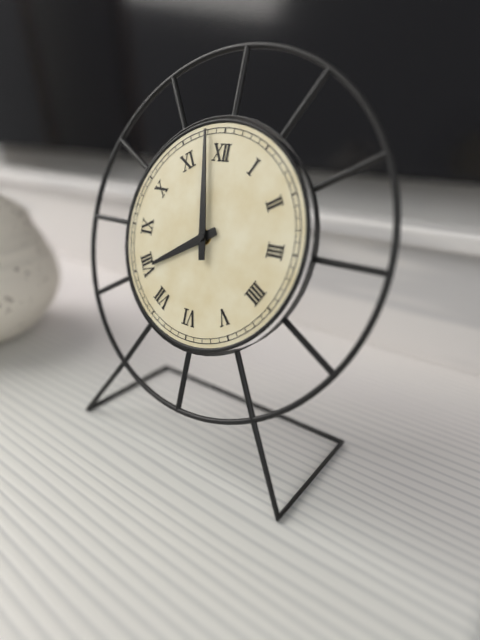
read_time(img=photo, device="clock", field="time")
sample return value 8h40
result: 7h58
